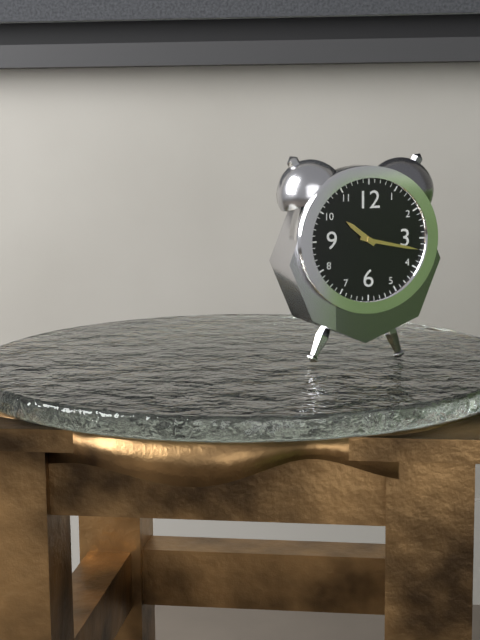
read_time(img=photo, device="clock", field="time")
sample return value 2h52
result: 10h17
